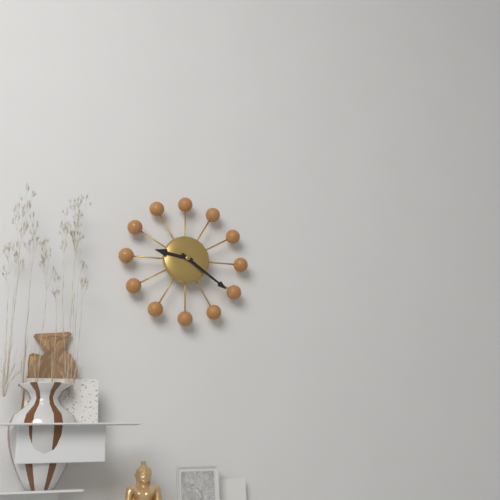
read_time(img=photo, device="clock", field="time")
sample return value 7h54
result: 9h21
